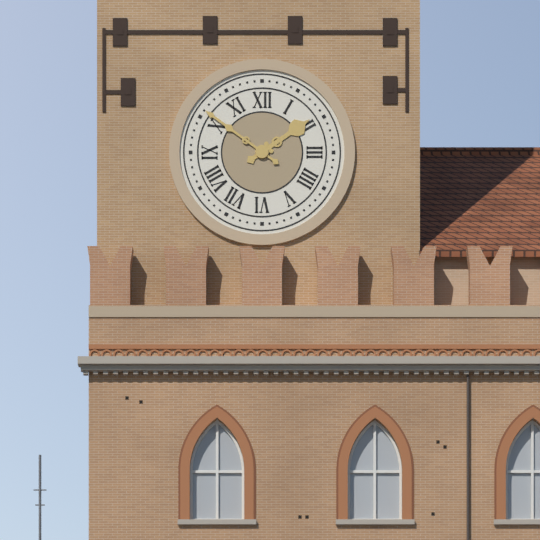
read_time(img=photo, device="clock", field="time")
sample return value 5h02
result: 1h51
